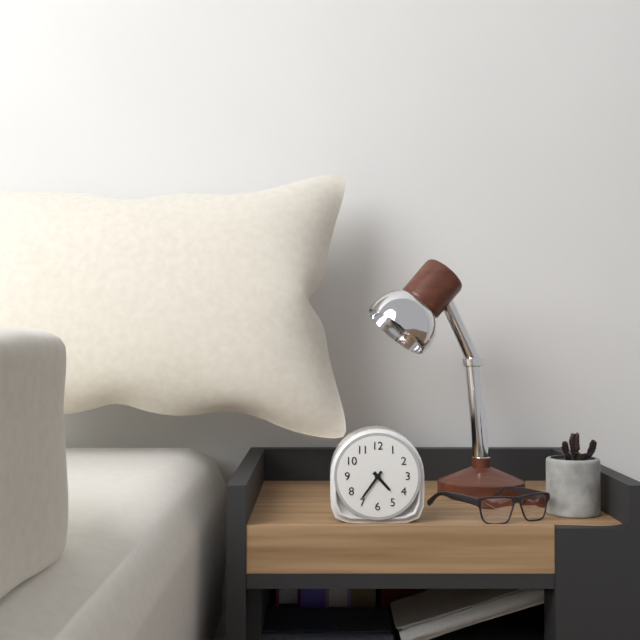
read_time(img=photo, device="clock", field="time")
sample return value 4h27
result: 4h36
